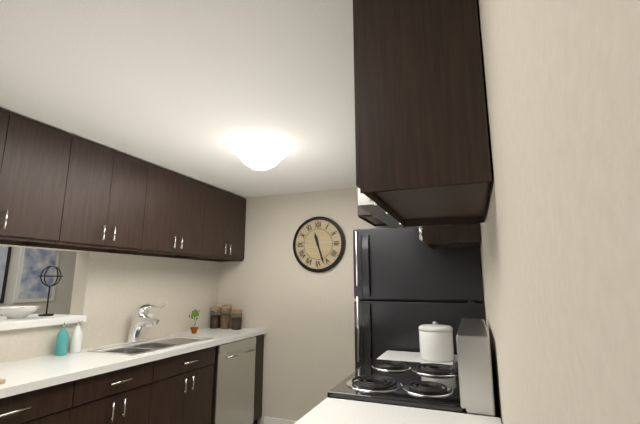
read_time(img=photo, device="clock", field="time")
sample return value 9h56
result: 11h27
